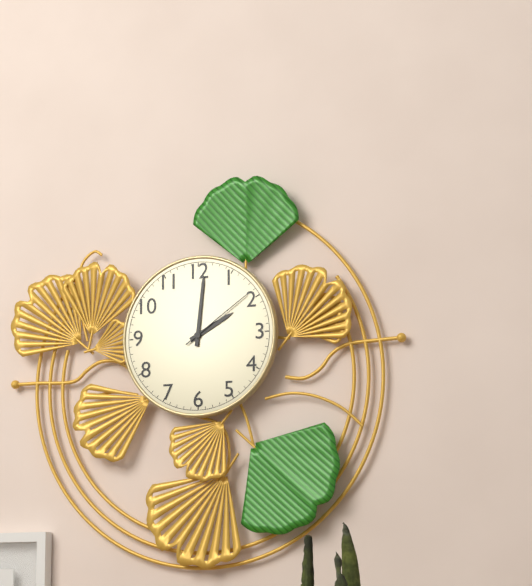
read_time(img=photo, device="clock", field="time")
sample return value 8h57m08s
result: 2h01m09s
